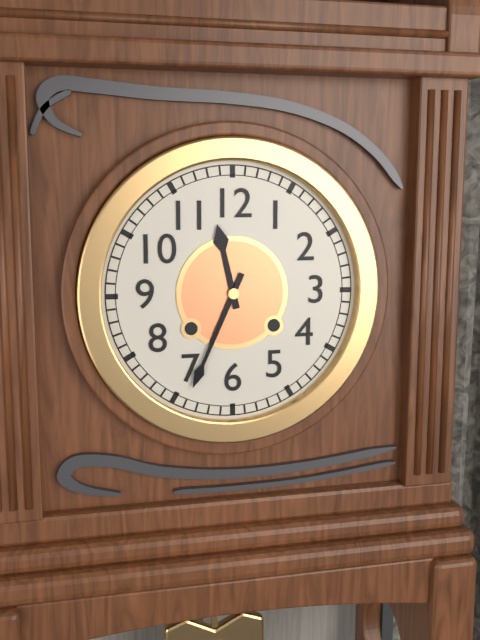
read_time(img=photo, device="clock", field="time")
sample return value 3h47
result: 11h34
